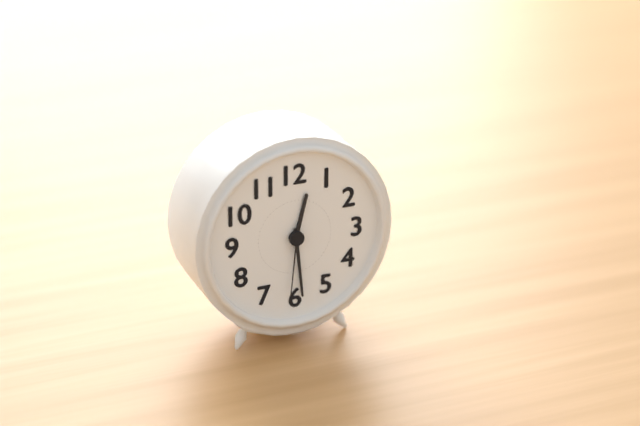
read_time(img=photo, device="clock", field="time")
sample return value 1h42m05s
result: 12h29m31s
